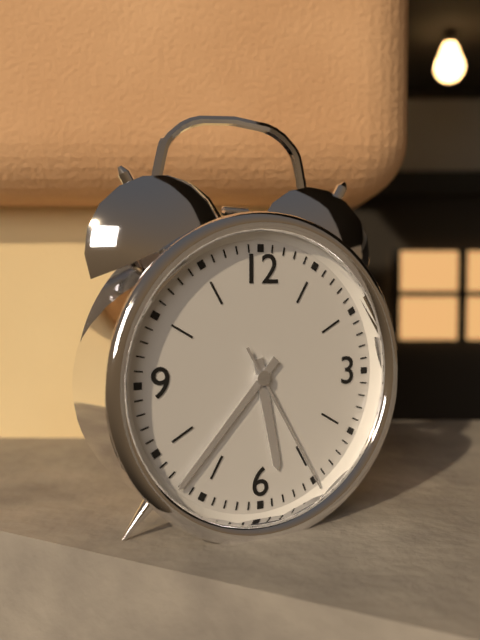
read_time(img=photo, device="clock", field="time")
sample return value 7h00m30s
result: 5h37m25s
